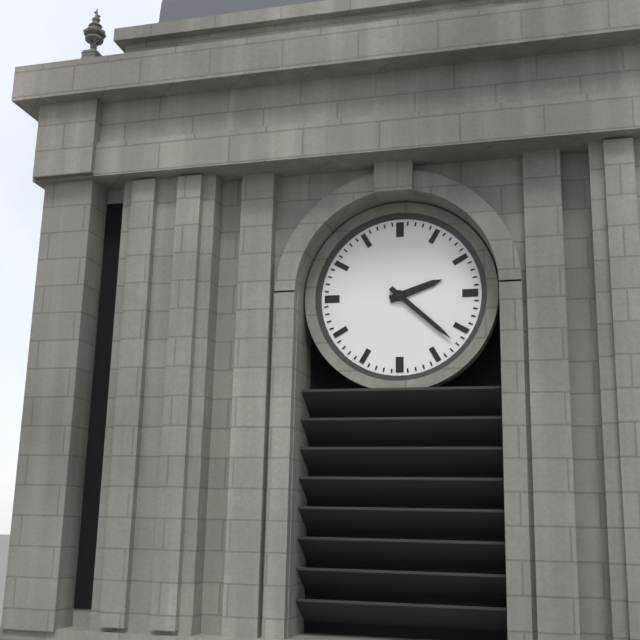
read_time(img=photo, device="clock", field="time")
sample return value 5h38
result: 2h22
